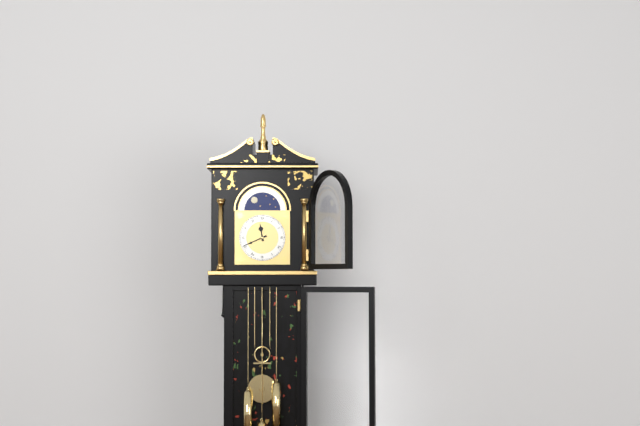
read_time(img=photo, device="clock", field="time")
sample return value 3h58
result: 11h41
